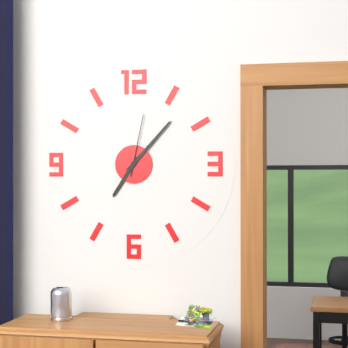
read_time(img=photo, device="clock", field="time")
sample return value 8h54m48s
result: 7h07m02s
